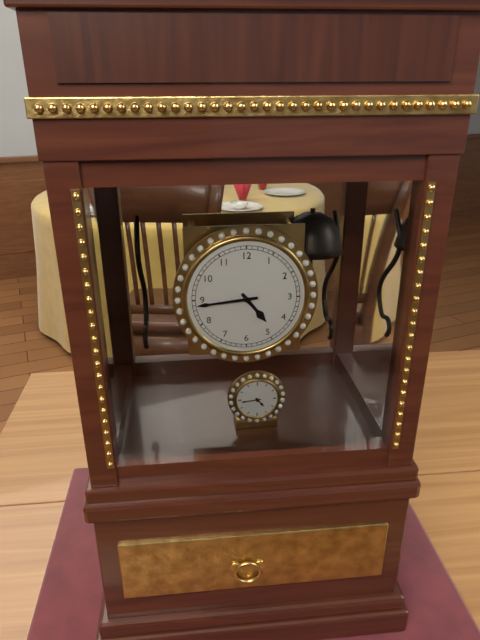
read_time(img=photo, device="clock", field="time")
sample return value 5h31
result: 4h44
